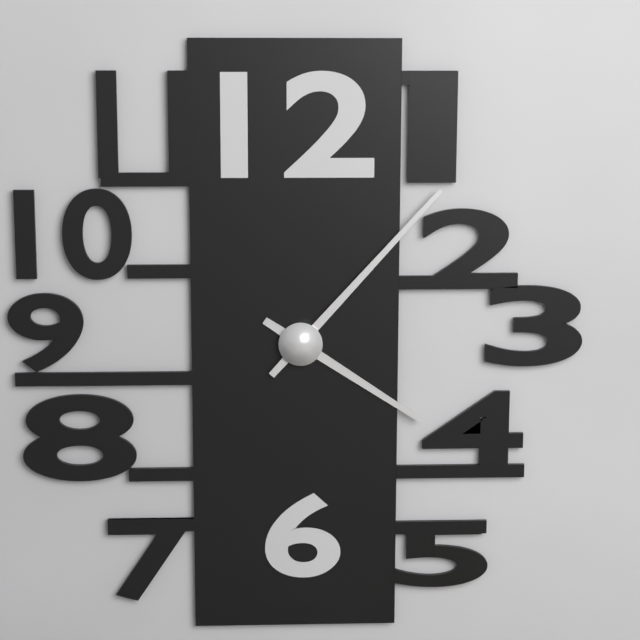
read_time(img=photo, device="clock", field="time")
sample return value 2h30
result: 4h07
